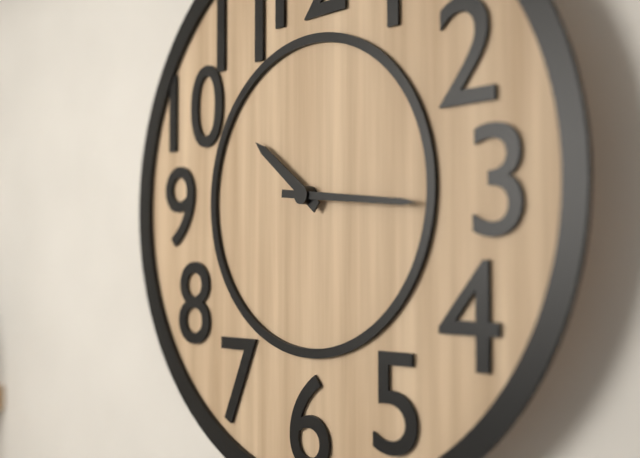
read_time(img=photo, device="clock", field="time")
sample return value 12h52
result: 10h16
